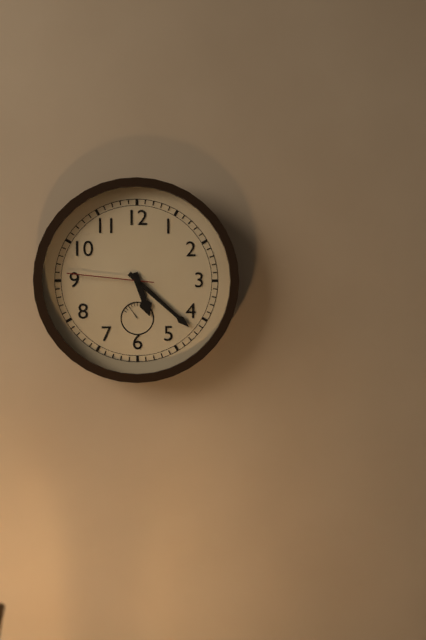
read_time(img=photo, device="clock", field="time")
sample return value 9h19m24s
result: 5h22m46s
